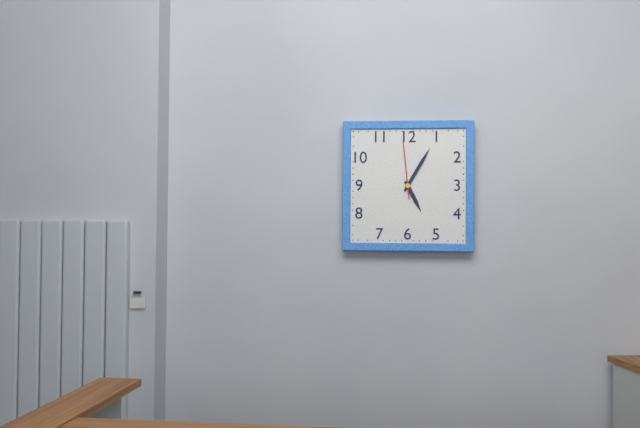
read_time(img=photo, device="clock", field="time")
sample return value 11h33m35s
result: 5h05m59s
